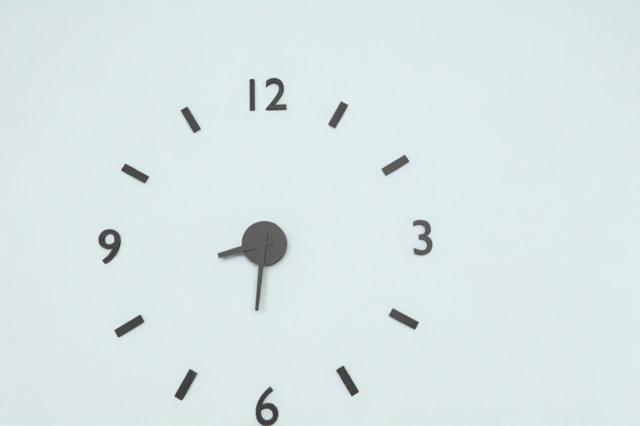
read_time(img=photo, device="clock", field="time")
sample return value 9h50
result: 8h31
